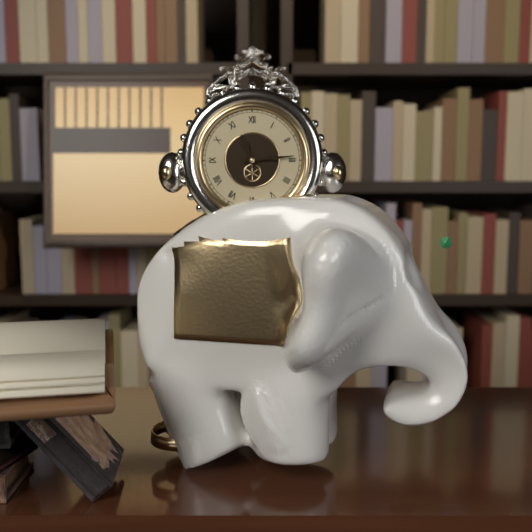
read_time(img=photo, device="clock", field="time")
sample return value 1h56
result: 11h14
